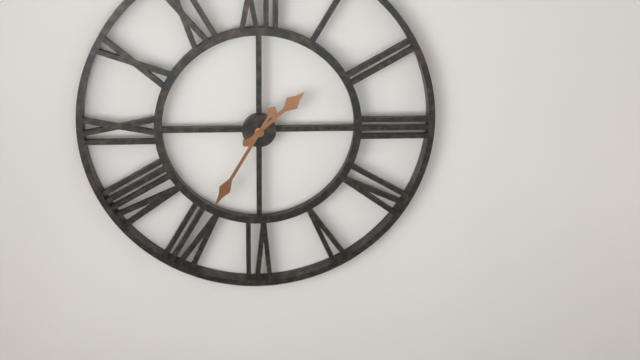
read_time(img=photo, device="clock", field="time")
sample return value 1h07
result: 1h35
